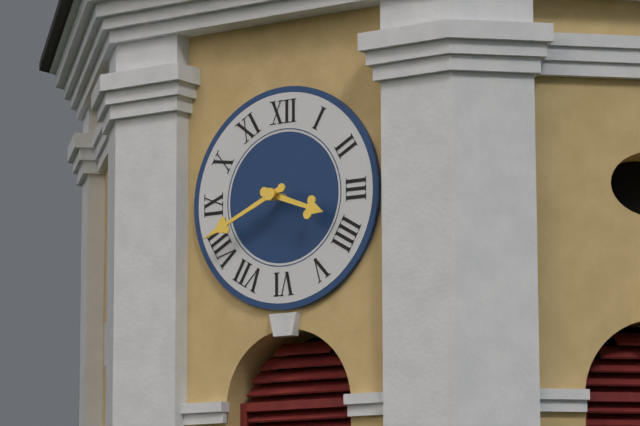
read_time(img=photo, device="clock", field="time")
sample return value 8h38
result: 3h41
